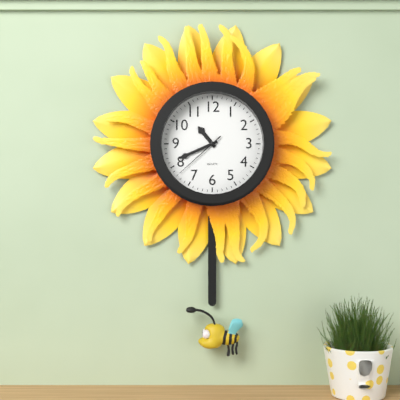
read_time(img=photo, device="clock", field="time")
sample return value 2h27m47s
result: 10h41m38s
